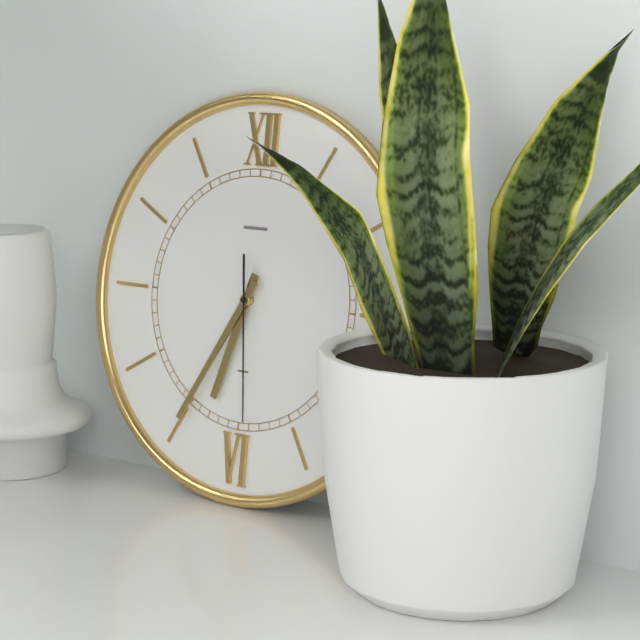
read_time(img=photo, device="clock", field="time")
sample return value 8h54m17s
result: 6h35m29s
